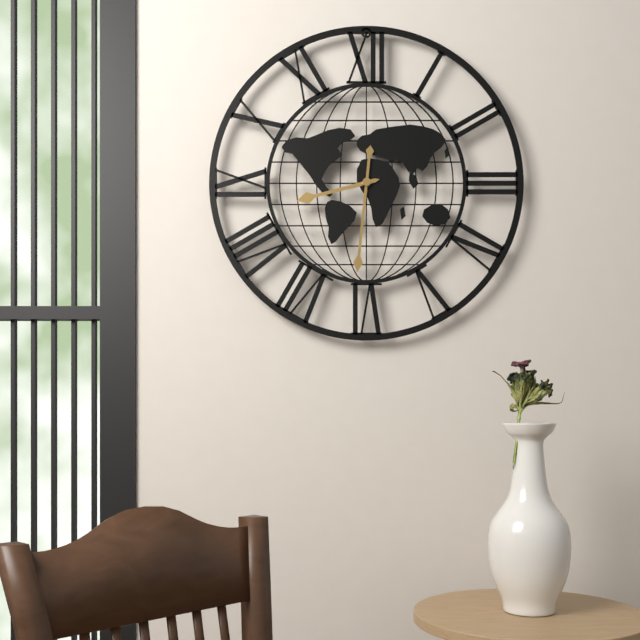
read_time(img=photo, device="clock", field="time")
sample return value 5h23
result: 8h31
